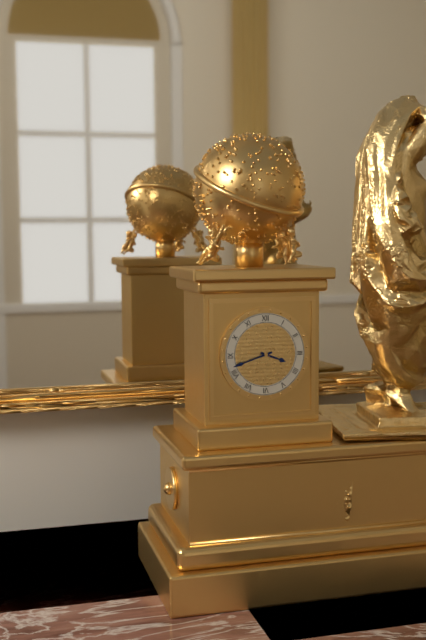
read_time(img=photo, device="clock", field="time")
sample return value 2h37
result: 3h42
